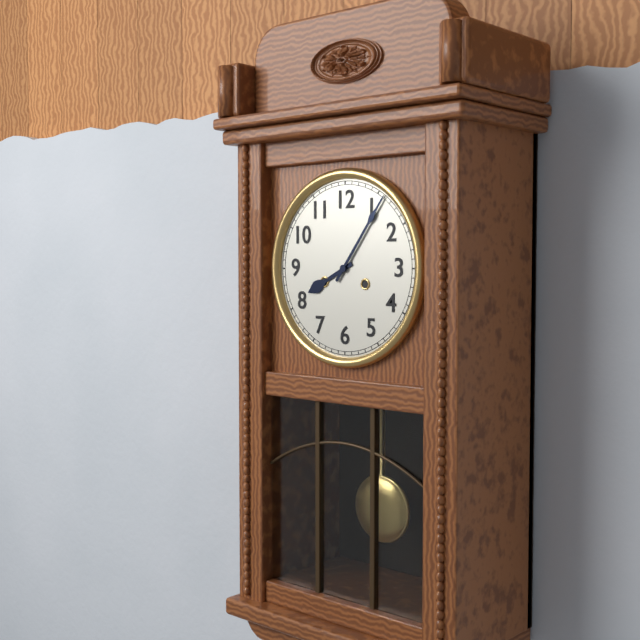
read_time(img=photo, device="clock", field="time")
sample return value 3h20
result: 8h06
